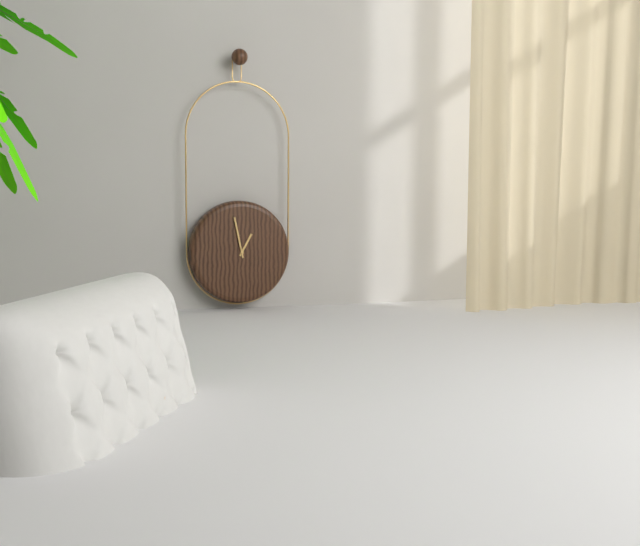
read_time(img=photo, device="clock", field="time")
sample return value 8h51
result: 12h58
